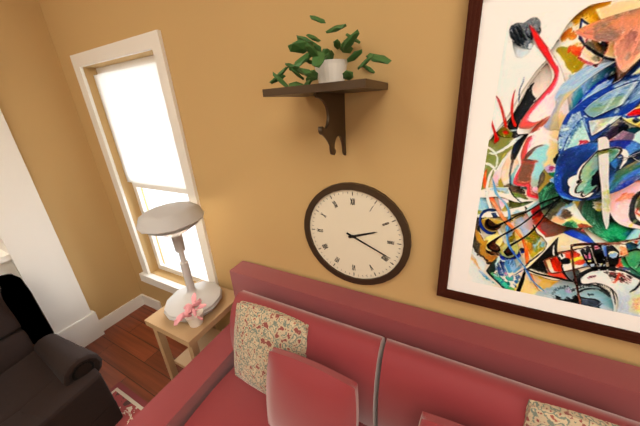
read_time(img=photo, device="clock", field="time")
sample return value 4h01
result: 2h19
